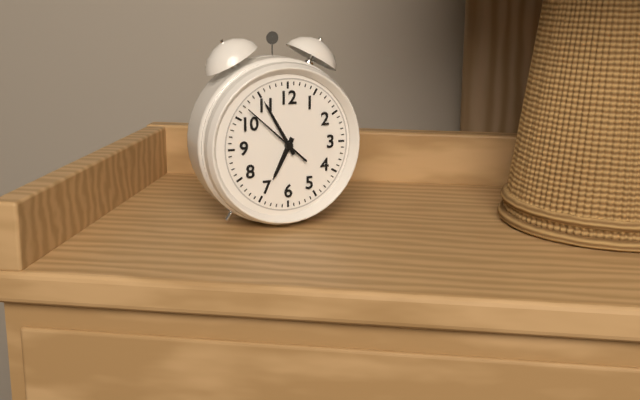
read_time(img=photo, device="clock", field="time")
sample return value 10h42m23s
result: 6h55m52s
